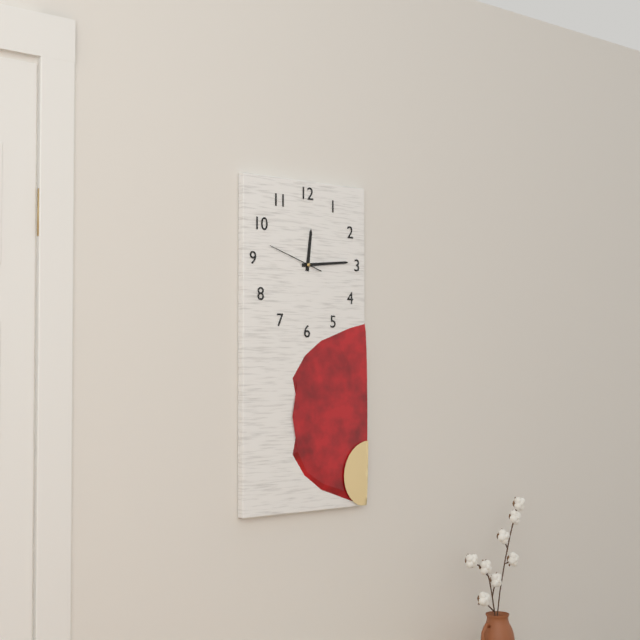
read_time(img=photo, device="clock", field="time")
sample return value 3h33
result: 12h14
